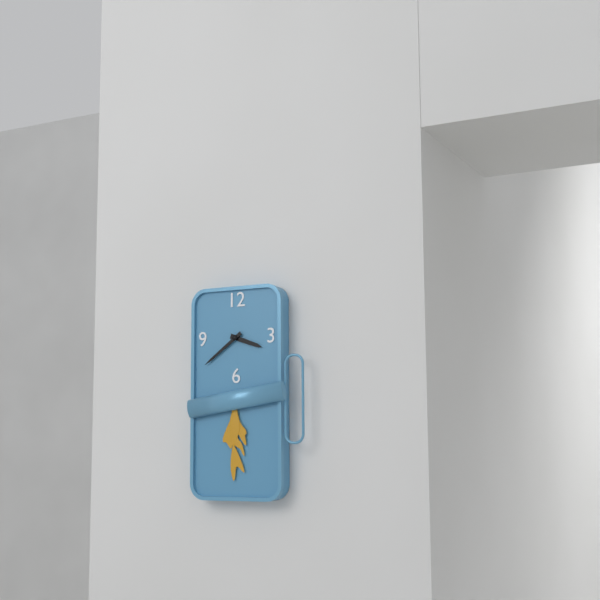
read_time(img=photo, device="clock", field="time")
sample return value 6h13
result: 3h39
